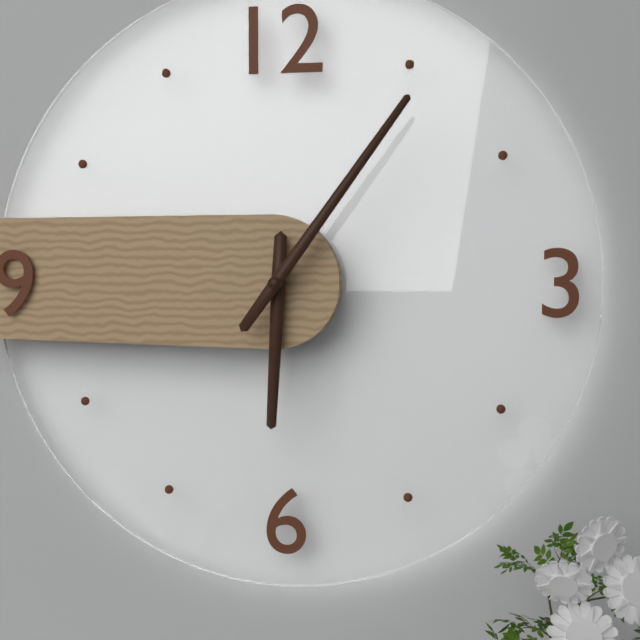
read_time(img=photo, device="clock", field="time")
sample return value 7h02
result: 6h06
